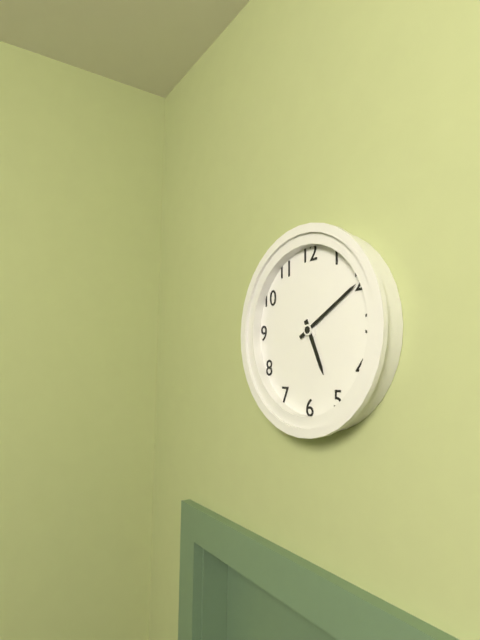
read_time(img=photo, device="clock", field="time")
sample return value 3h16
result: 5h10
